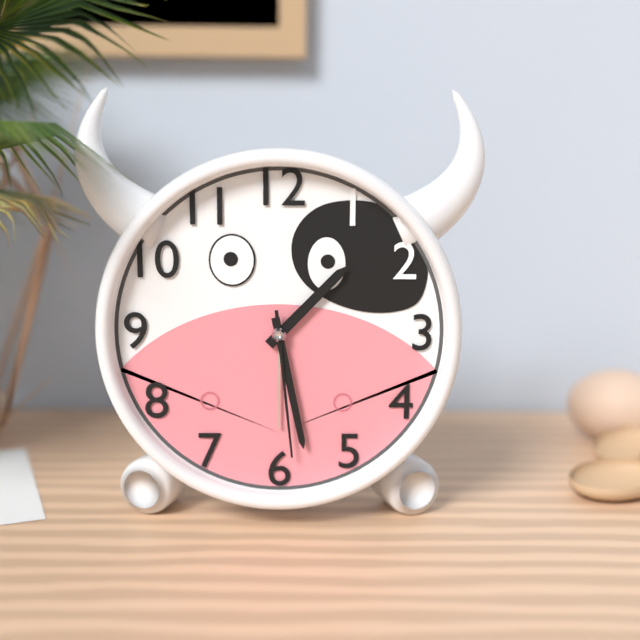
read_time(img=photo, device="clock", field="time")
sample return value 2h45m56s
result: 1h28m29s
